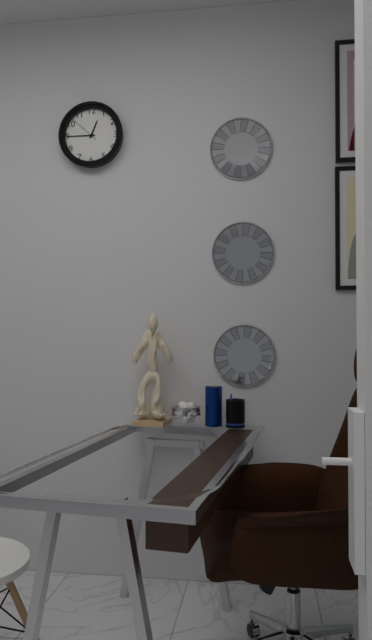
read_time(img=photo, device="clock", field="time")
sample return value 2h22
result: 12h45
